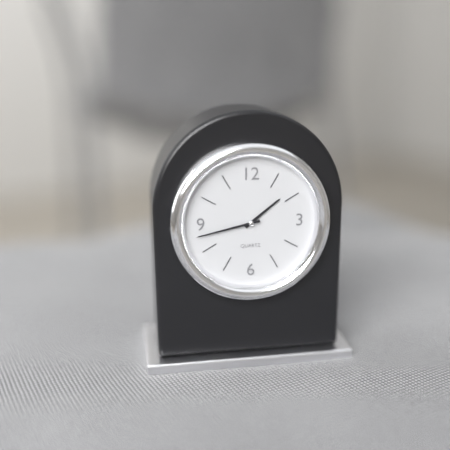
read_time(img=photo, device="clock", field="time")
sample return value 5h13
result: 1h43
